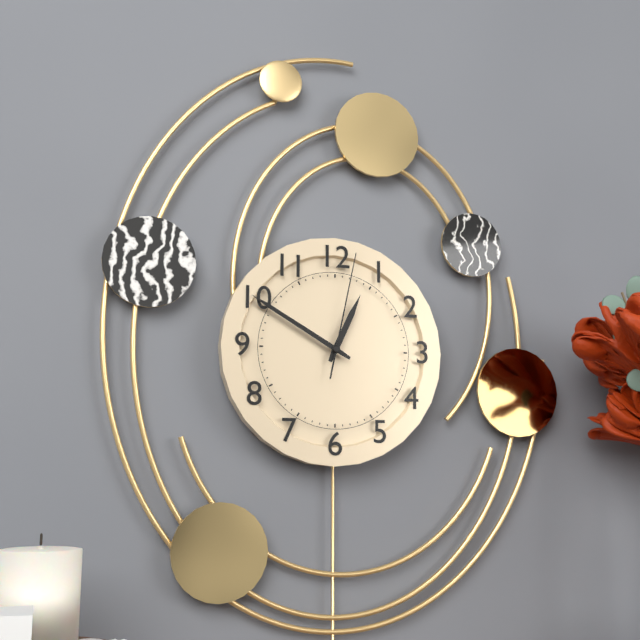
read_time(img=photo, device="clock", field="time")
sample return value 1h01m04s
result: 12h50m02s
